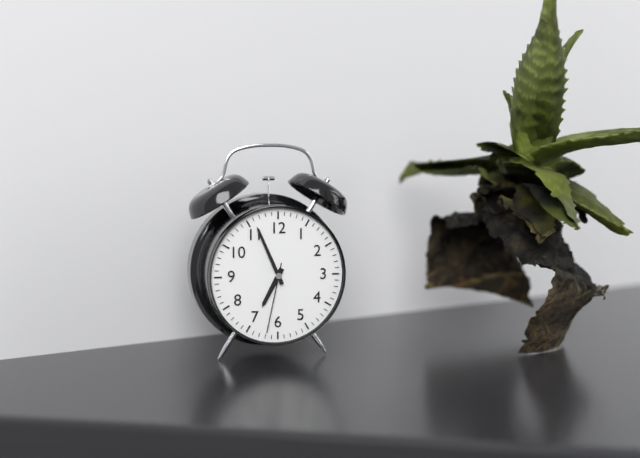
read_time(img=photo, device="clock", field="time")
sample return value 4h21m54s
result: 6h56m32s
